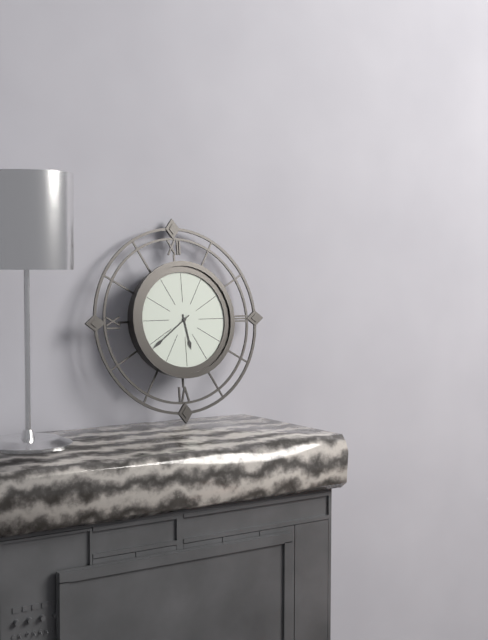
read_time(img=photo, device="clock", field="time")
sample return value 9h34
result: 5h39
